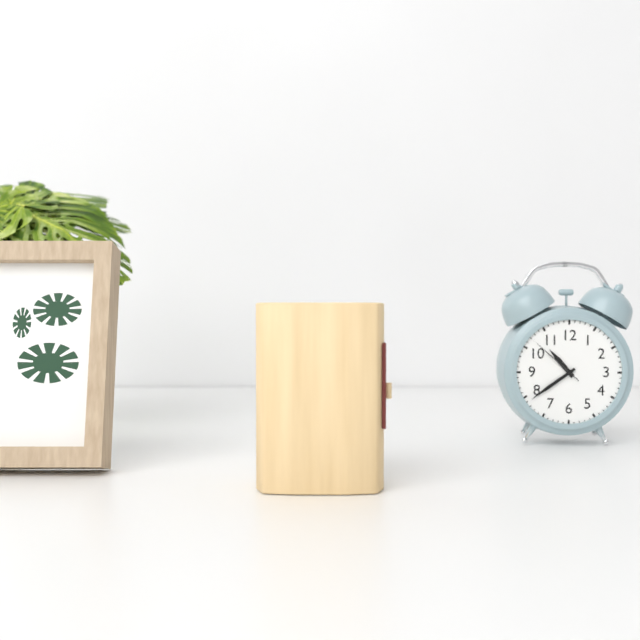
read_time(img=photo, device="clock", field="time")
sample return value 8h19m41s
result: 10h39m52s
